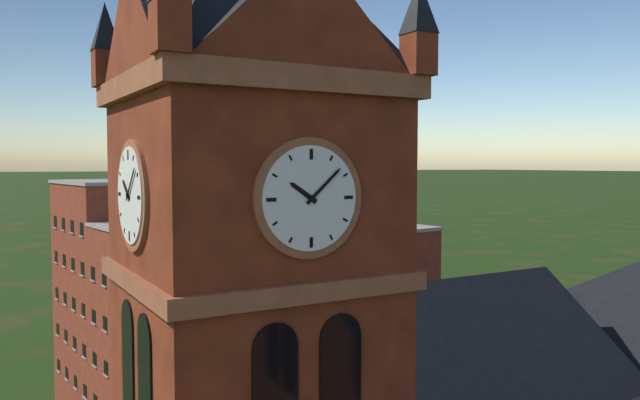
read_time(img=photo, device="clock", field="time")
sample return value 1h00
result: 10h08
